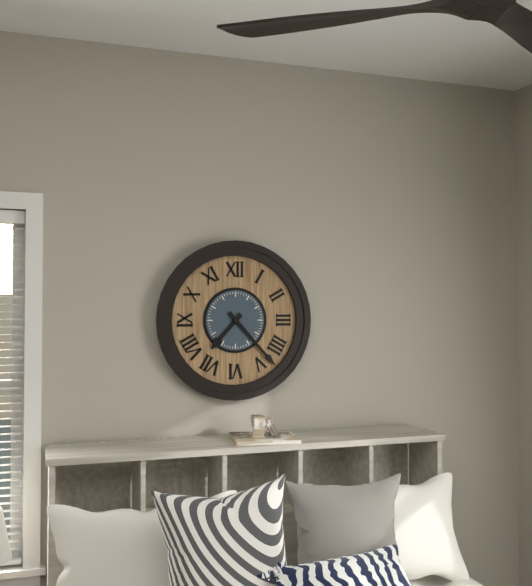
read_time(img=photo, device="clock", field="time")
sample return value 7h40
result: 7h23
